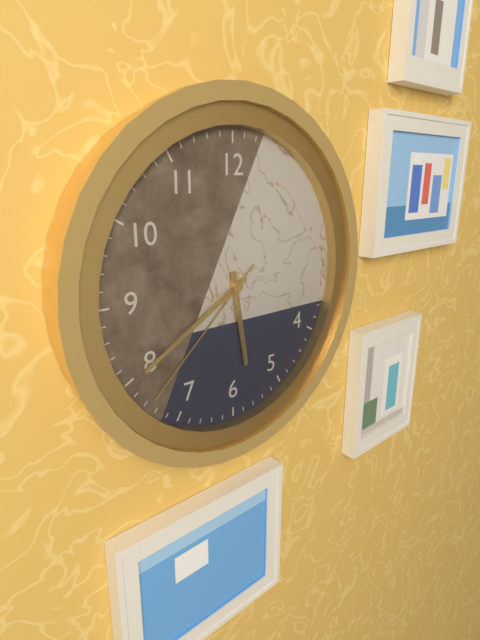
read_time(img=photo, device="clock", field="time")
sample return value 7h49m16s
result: 5h40m38s
